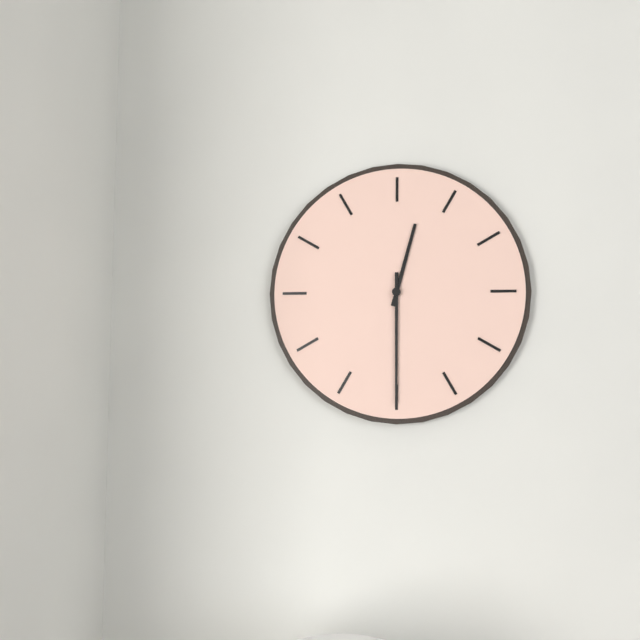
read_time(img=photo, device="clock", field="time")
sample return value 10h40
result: 12h30
